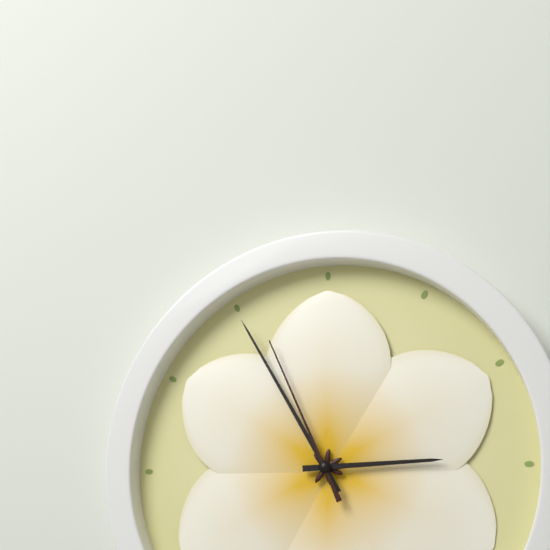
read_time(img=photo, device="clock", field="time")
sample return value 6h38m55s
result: 2h55m56s
